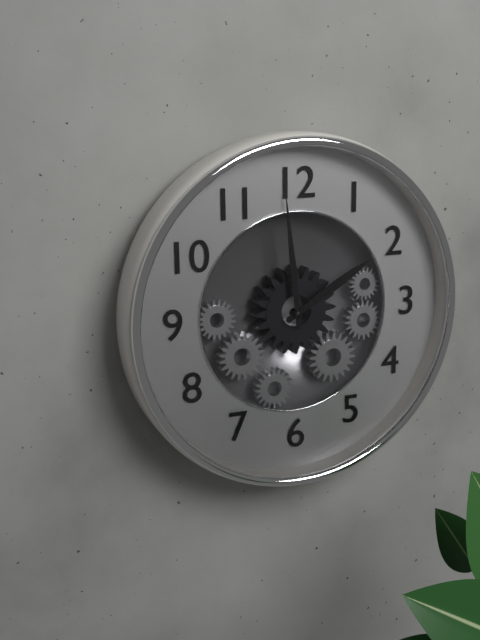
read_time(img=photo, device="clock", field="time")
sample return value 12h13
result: 1h59
